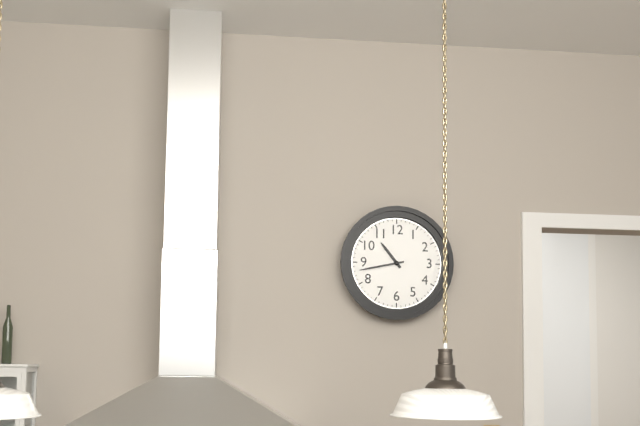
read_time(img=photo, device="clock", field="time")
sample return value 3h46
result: 10h43
